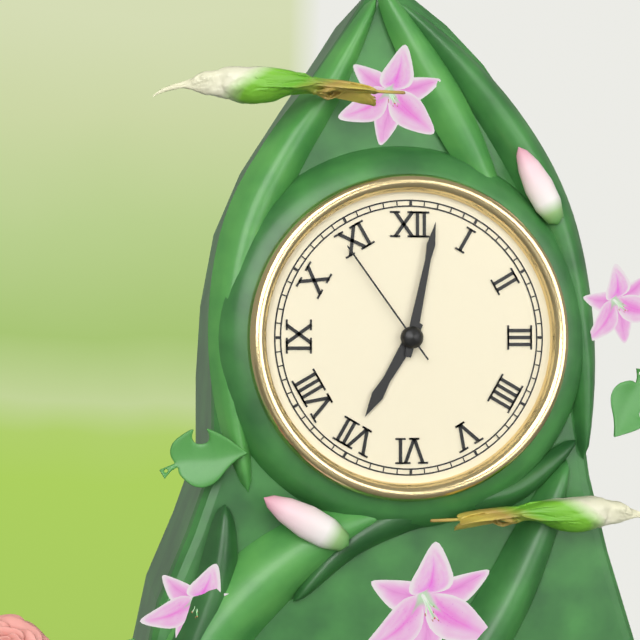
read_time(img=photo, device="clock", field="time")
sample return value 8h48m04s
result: 7h02m54s
